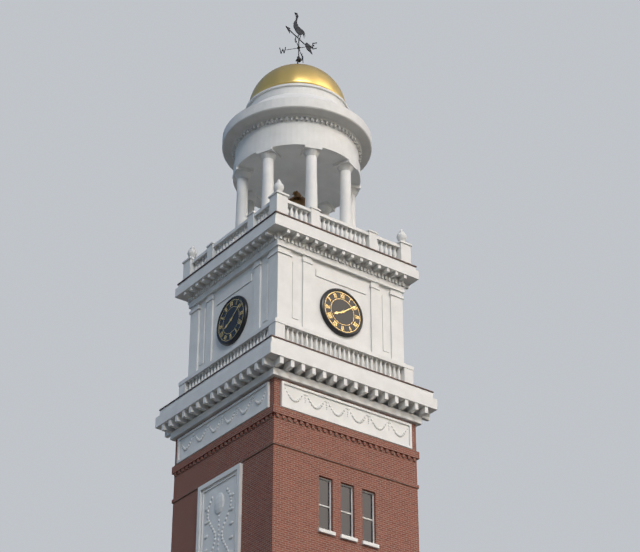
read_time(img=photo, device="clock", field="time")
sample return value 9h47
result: 8h09
